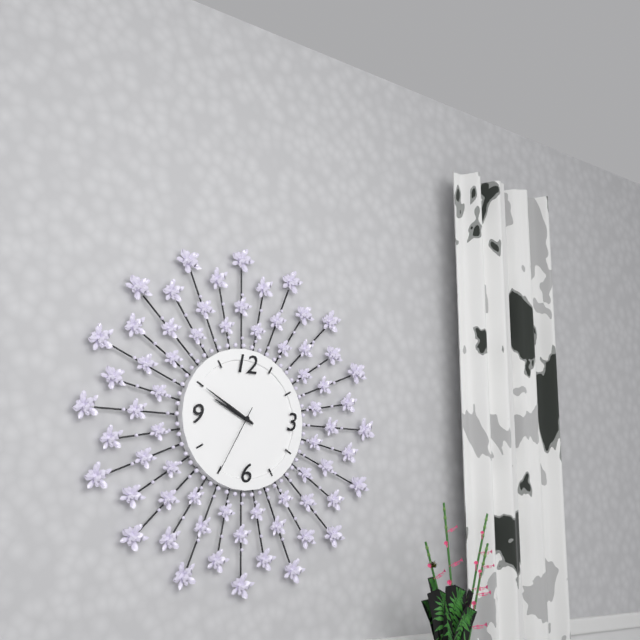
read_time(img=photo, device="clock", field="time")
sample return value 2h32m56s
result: 9h50m35s
